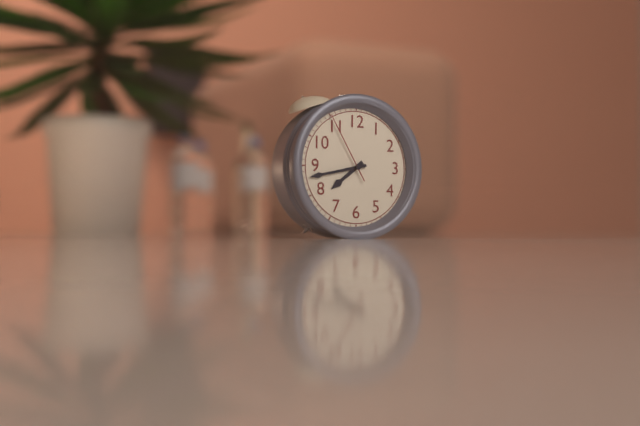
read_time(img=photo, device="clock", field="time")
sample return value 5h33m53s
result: 7h43m55s
